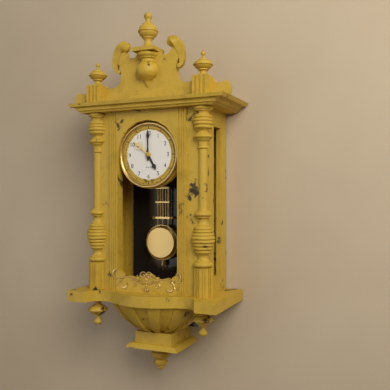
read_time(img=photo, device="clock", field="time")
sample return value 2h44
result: 5h00
